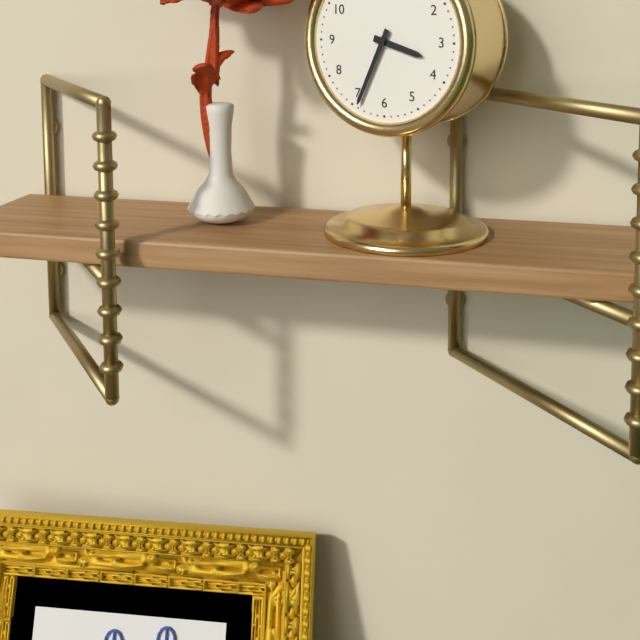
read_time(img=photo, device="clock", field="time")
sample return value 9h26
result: 3h34
